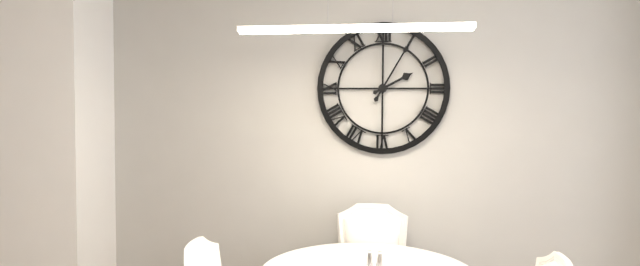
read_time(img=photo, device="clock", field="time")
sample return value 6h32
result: 2h05
